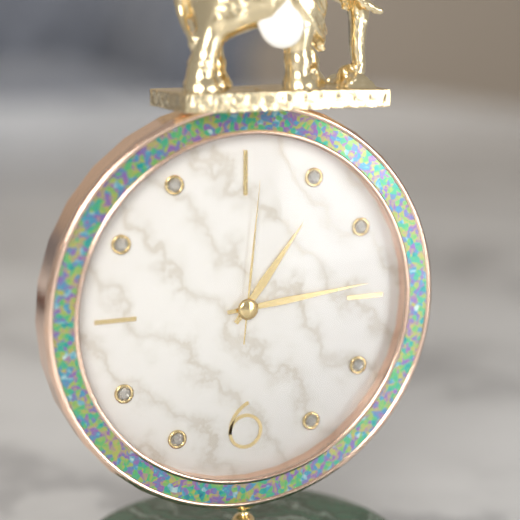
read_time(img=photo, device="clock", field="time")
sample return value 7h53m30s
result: 1h14m01s
